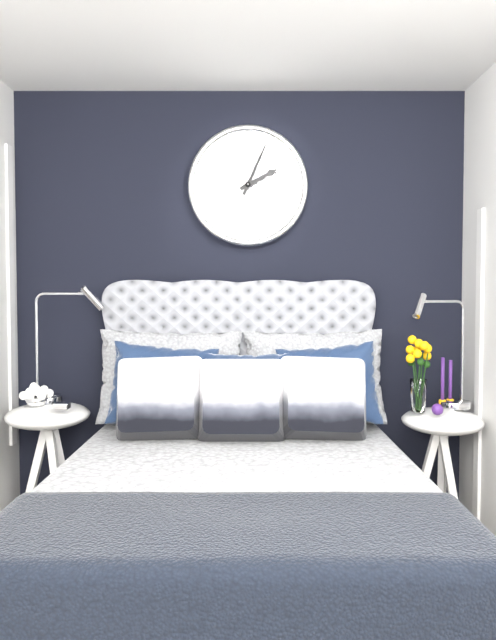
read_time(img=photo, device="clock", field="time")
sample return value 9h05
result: 2h04
